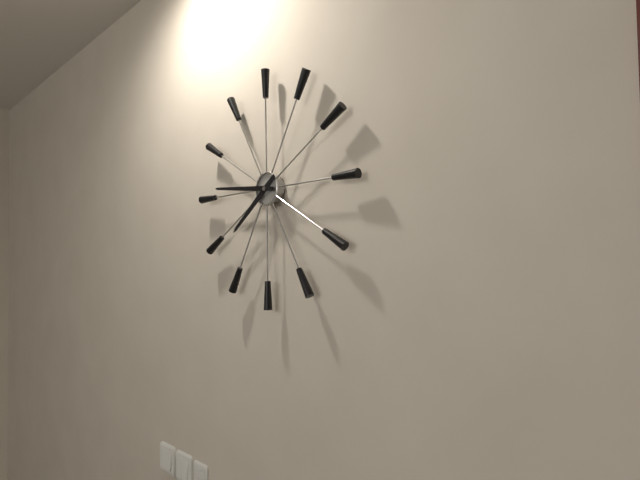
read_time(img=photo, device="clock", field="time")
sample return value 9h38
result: 7h46
